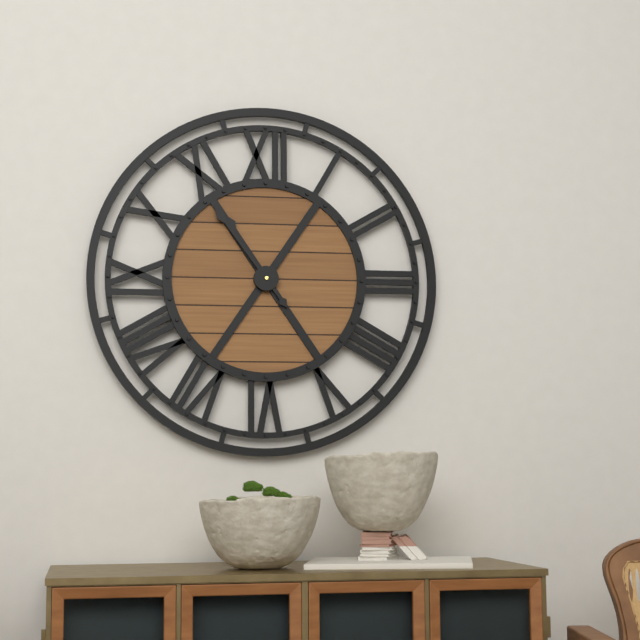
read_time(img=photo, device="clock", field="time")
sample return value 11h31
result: 10h54
